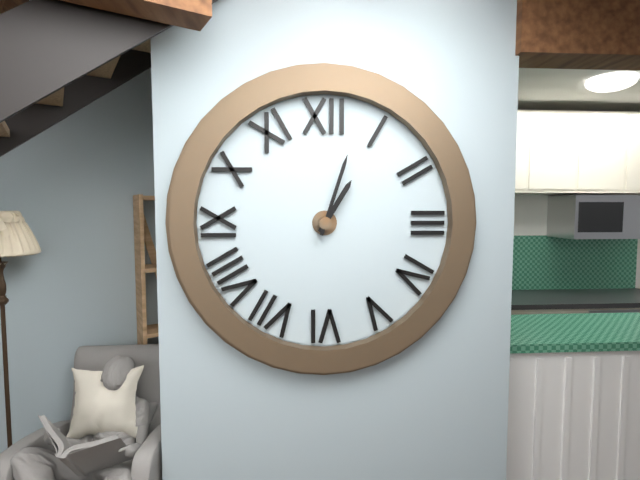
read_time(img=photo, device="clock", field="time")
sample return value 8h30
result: 1h03
